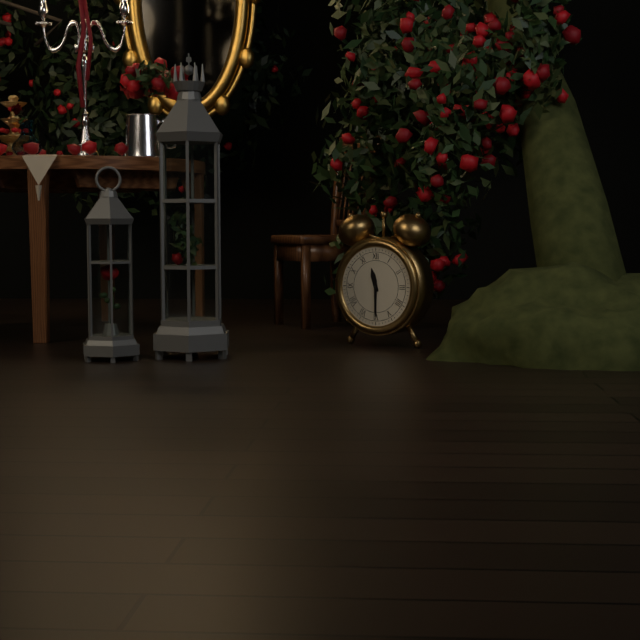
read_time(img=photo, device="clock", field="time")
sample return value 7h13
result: 11h30
